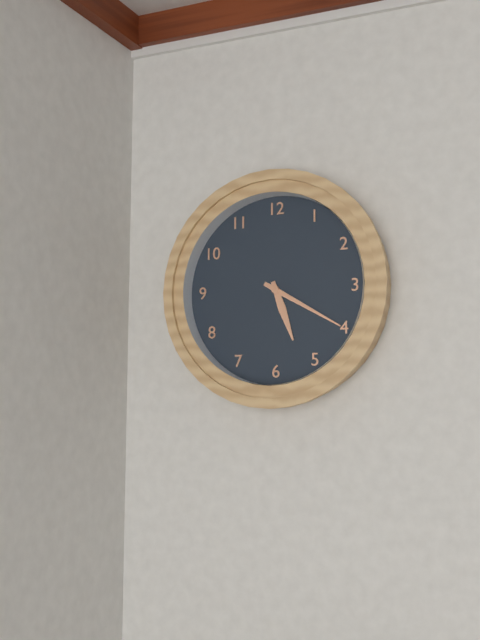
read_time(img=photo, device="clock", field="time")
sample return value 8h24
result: 5h20
